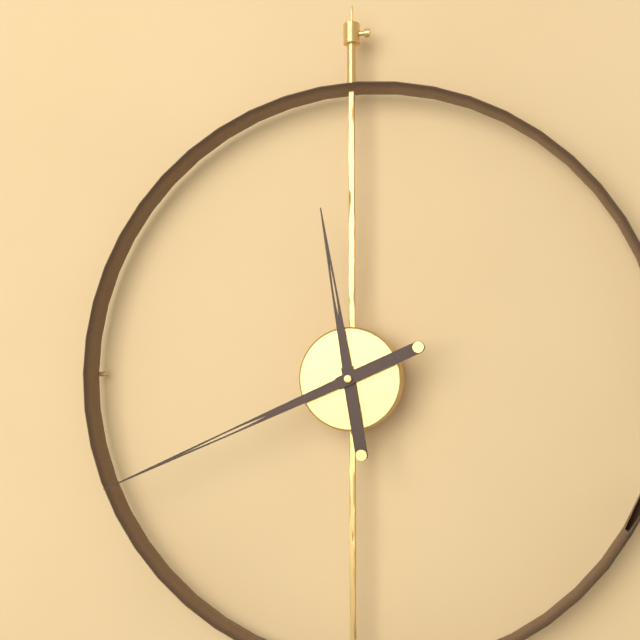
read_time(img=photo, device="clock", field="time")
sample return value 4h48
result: 11h41
